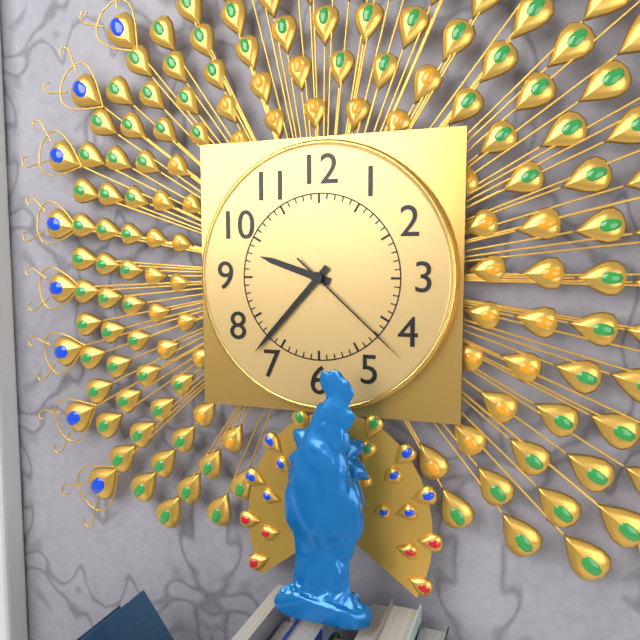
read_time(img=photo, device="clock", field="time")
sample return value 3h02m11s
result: 9h37m22s
